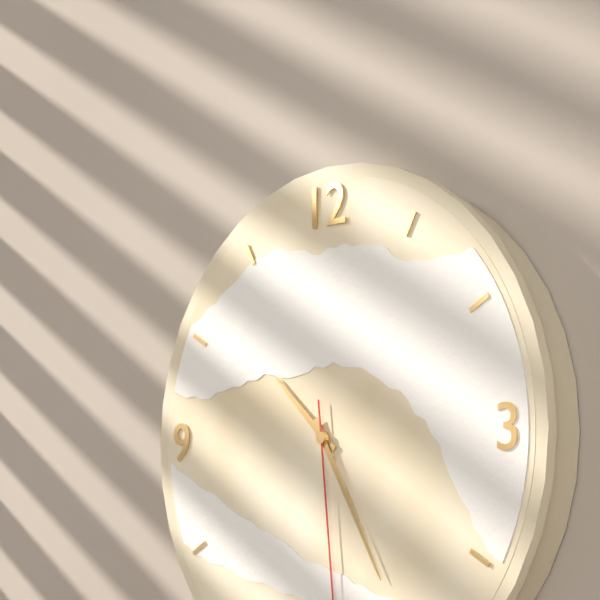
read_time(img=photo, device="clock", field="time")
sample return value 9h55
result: 10h25
